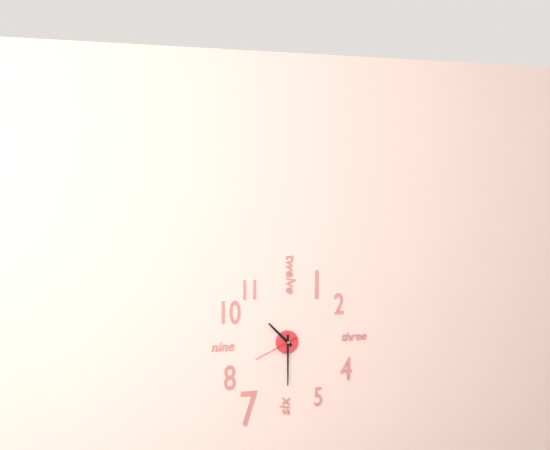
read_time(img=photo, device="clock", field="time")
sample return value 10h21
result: 10h30
